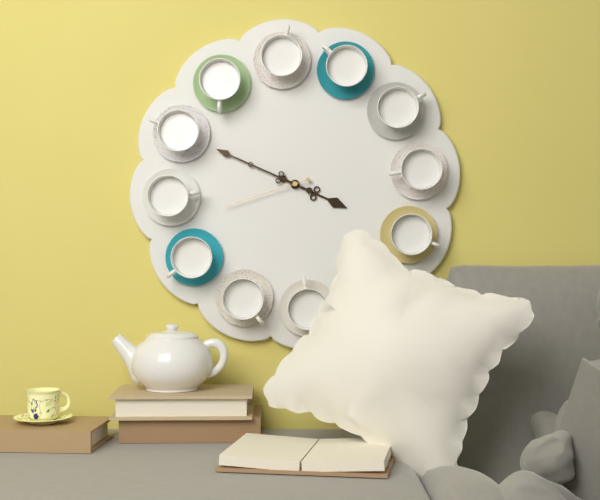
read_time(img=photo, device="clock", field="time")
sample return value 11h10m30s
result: 3h49m42s
